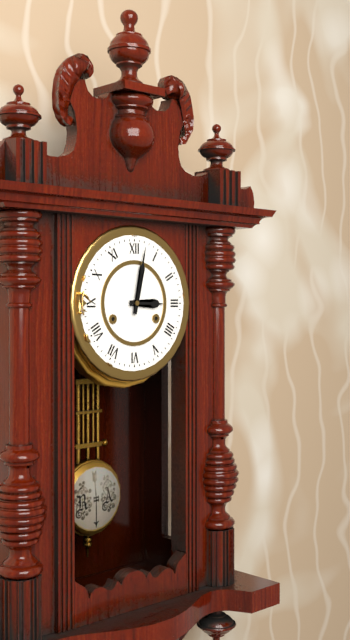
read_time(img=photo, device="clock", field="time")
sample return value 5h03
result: 3h02
